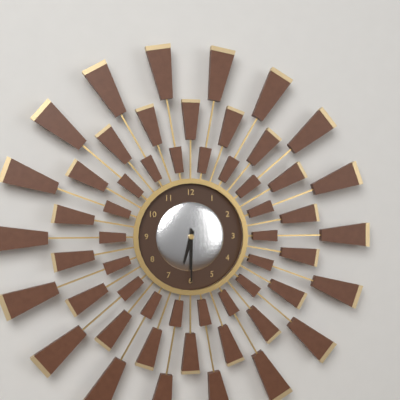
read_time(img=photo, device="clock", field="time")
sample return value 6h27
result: 6h30
